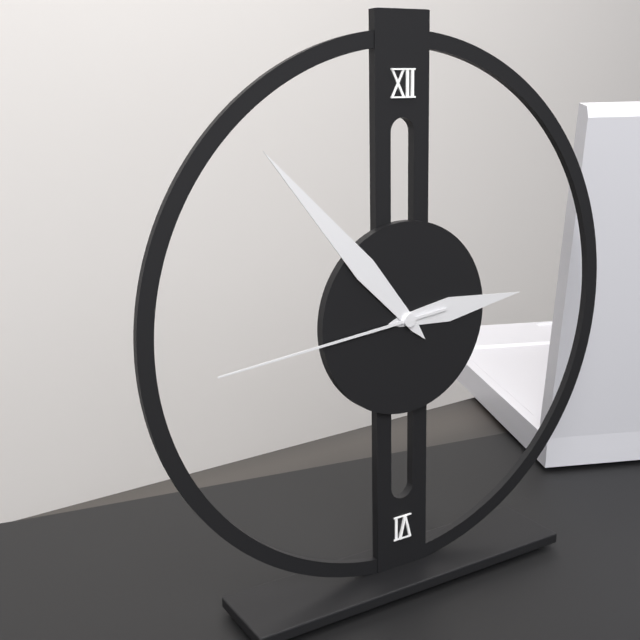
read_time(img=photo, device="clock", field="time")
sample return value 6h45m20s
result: 2h53m44s
